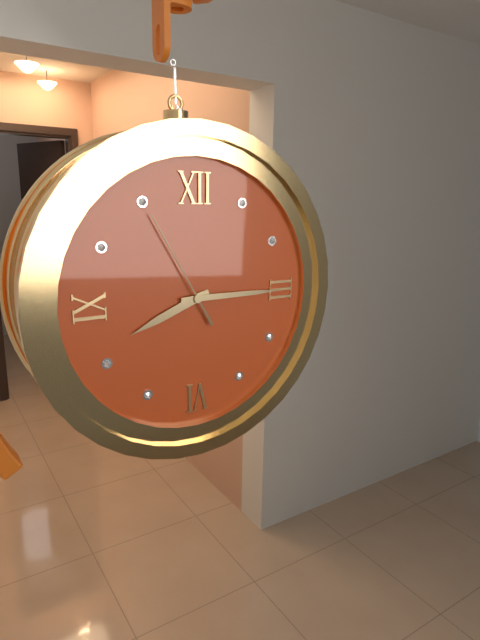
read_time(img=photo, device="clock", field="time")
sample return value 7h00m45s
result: 8h15m55s
